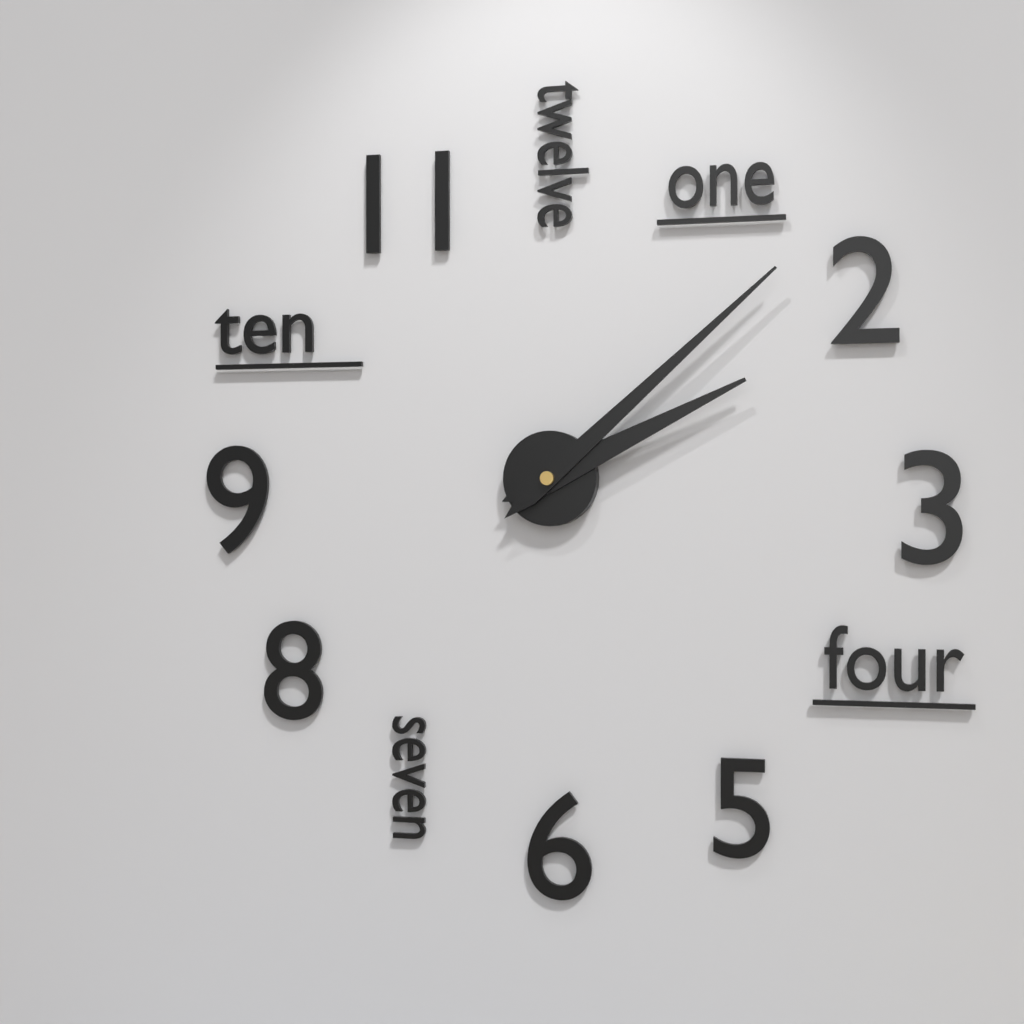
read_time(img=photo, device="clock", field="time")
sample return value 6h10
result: 2h08
